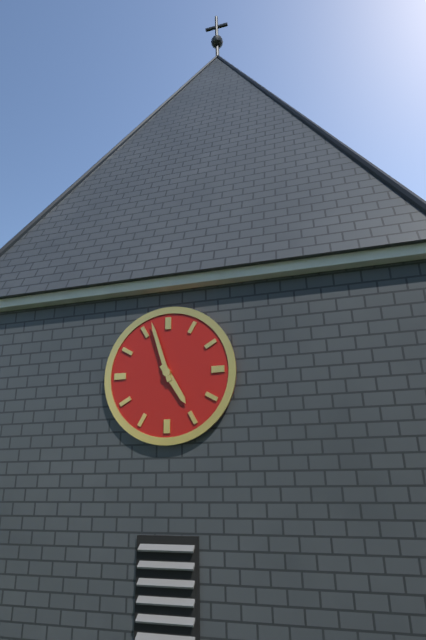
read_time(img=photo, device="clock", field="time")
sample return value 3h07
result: 4h57
